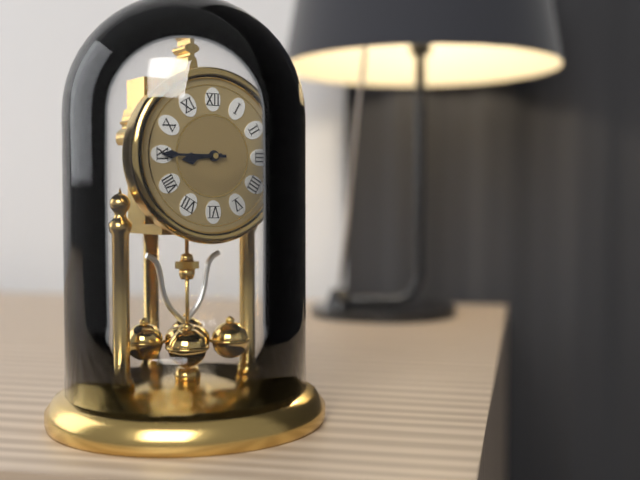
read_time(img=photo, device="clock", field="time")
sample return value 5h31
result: 8h45
